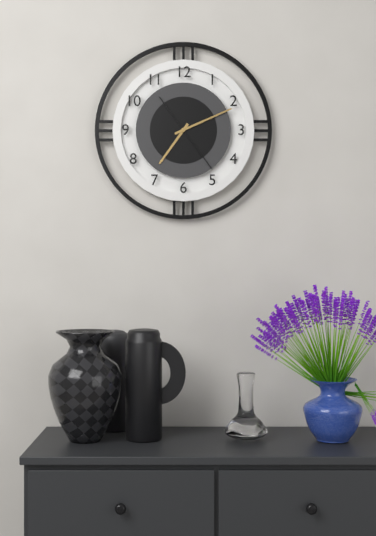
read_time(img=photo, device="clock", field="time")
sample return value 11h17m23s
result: 7h11m24s
